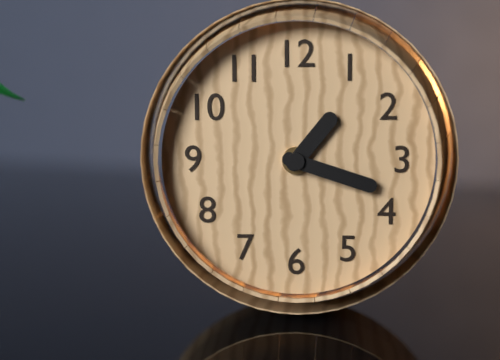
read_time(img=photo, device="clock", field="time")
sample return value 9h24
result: 1h18
